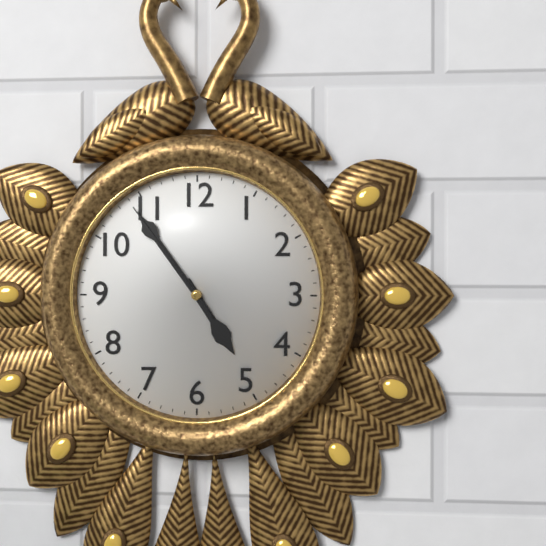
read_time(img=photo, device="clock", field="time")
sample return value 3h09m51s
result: 4h54m54s
